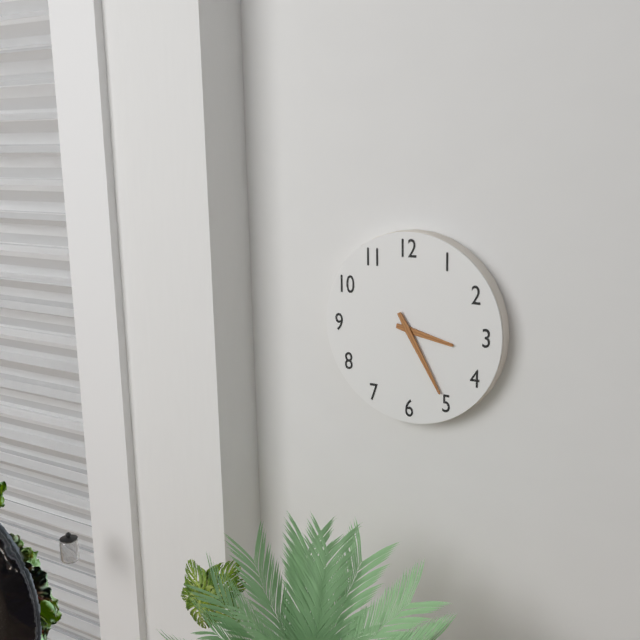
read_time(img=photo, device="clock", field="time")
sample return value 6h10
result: 3h25
